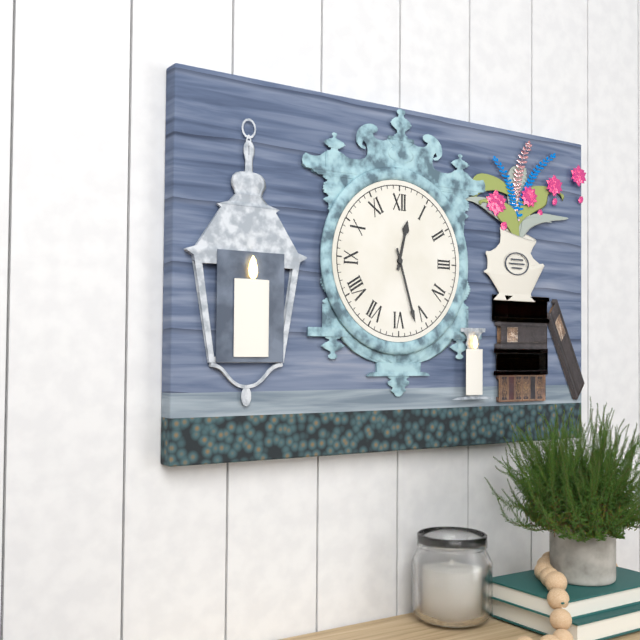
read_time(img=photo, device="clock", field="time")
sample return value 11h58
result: 12h27
